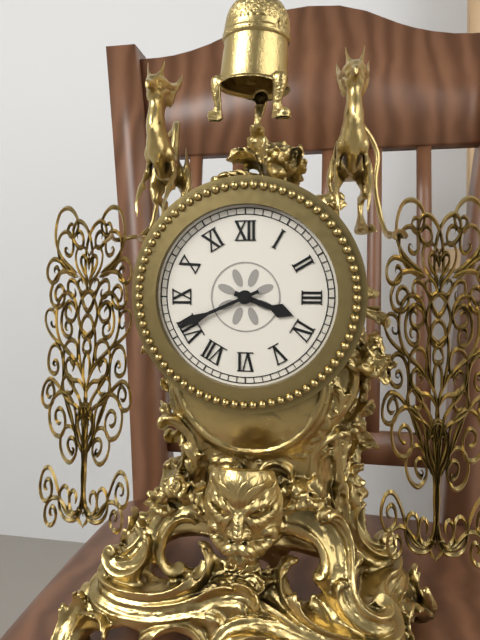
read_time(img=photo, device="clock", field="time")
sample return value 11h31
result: 3h41
